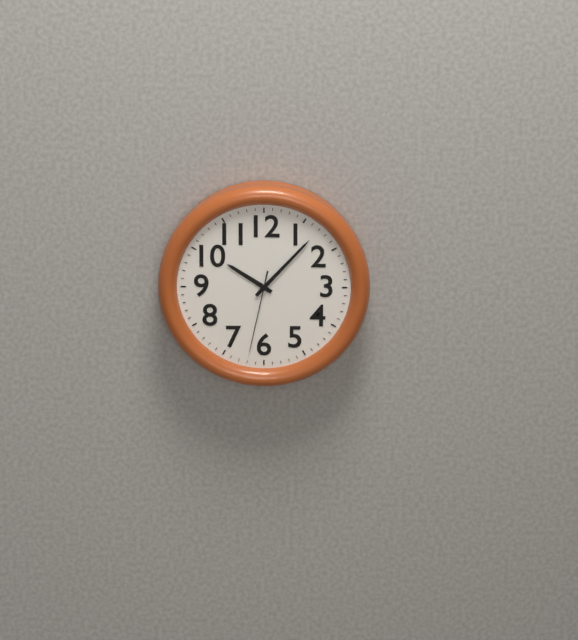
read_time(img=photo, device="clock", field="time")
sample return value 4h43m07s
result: 10h07m32s
